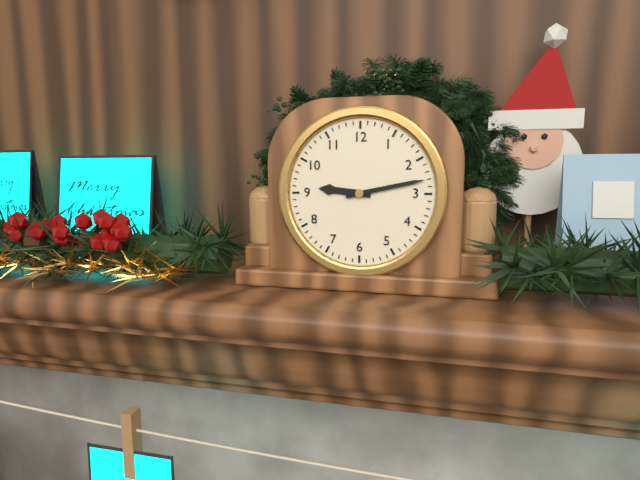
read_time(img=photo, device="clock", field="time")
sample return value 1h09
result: 9h13
